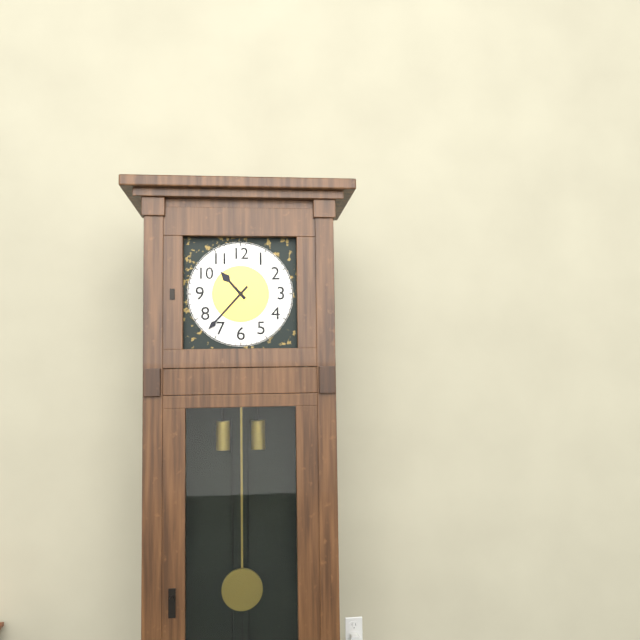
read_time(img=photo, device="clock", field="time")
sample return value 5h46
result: 10h37
